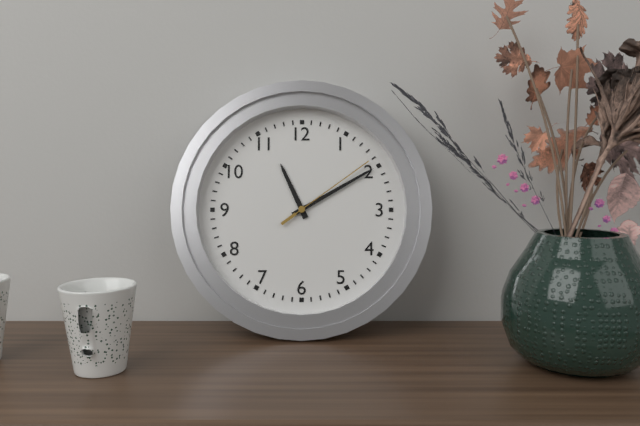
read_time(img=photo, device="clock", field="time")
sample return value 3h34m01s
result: 11h10m09s
